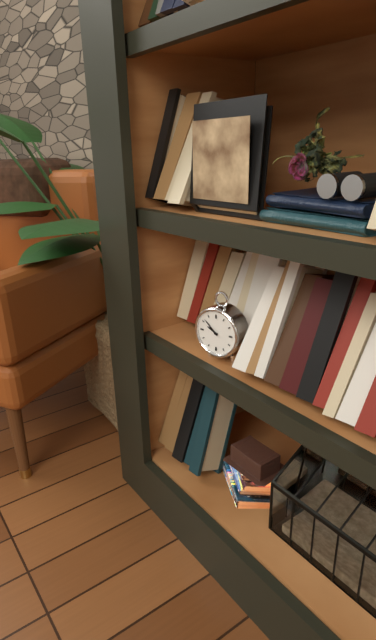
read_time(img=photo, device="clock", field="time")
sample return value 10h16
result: 9h52
